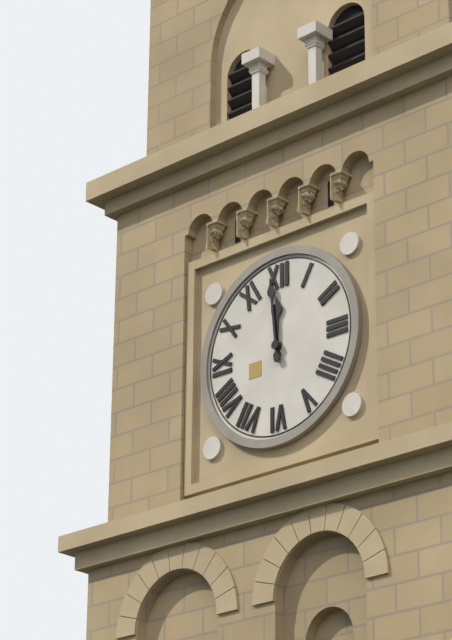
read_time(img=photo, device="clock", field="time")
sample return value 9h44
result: 11h59
